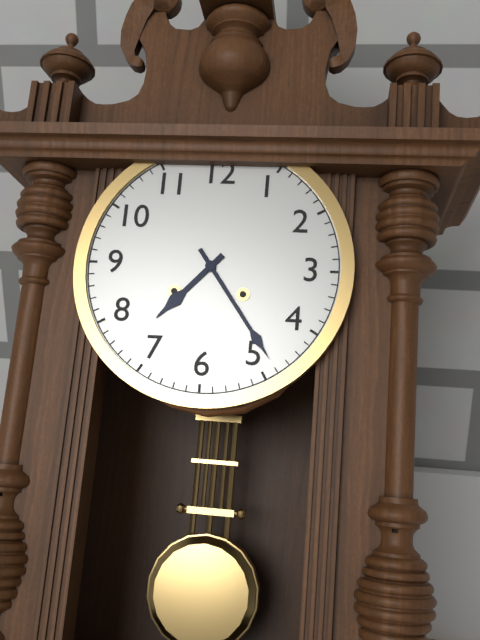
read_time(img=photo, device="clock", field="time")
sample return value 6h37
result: 7h24
